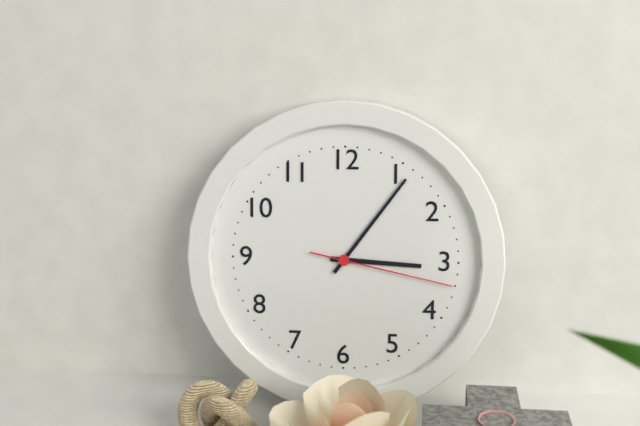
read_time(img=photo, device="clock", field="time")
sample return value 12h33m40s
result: 3h06m17s
